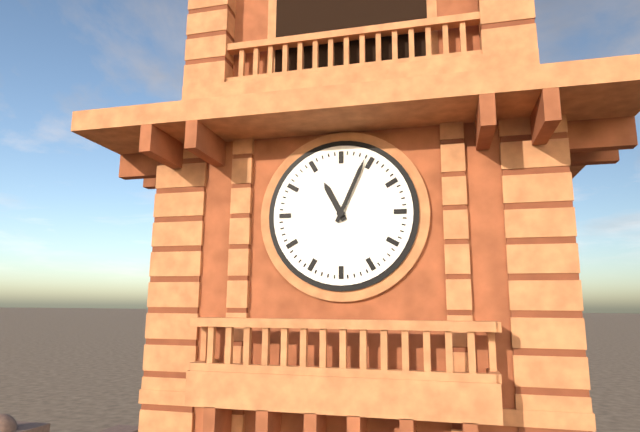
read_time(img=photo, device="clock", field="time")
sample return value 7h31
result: 11h04
